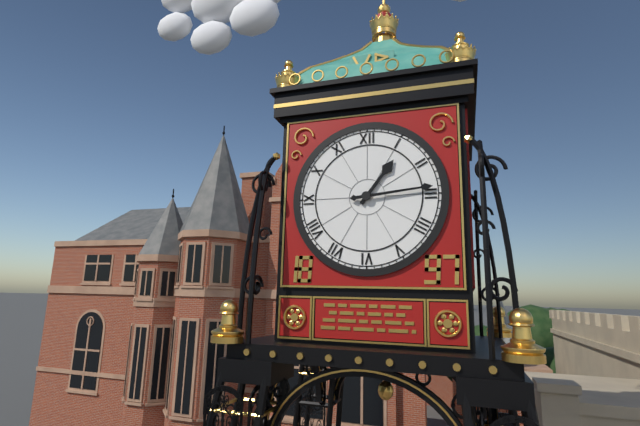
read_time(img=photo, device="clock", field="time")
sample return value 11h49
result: 1h14
